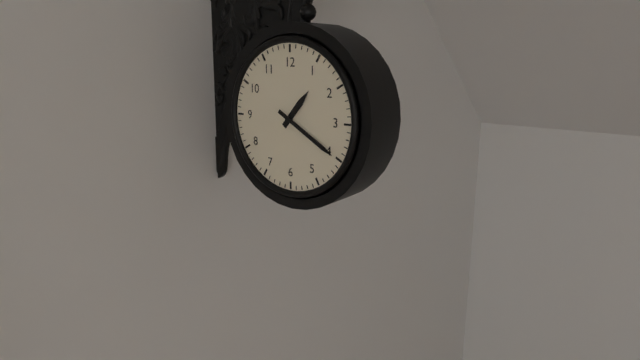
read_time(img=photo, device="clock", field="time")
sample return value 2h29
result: 1h20
